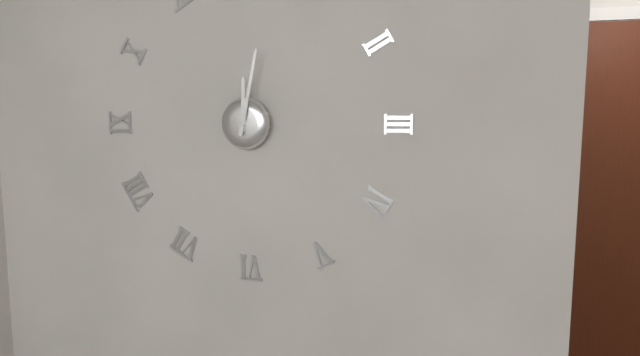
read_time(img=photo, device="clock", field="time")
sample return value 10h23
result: 12h02
